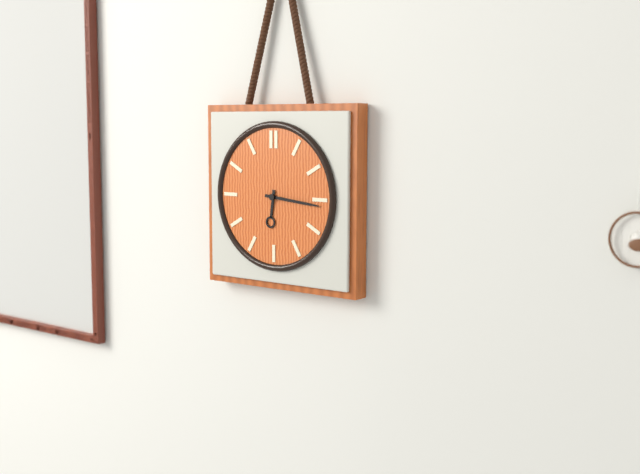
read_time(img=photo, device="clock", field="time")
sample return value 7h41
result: 6h16
